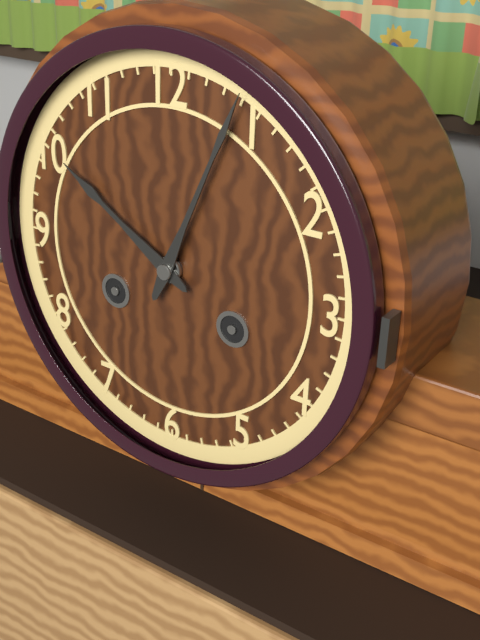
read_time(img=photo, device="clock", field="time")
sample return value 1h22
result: 10h04
